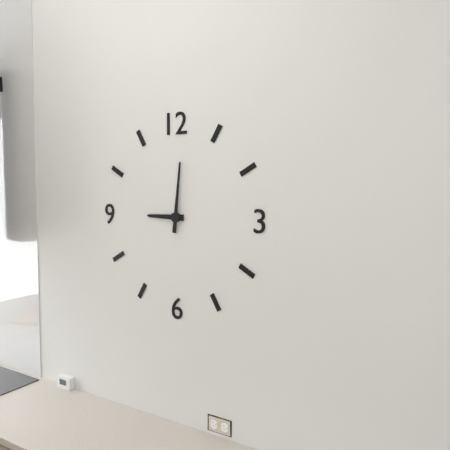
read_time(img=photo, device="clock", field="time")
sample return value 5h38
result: 9h01
